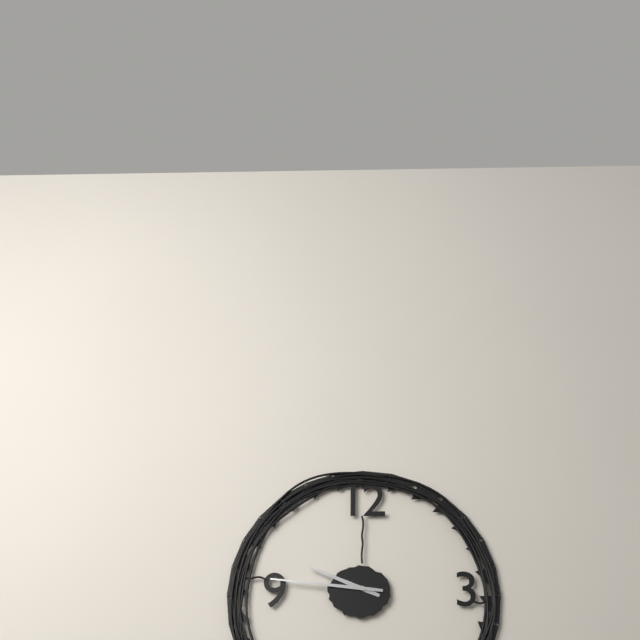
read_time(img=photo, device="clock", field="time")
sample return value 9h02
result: 9h46
